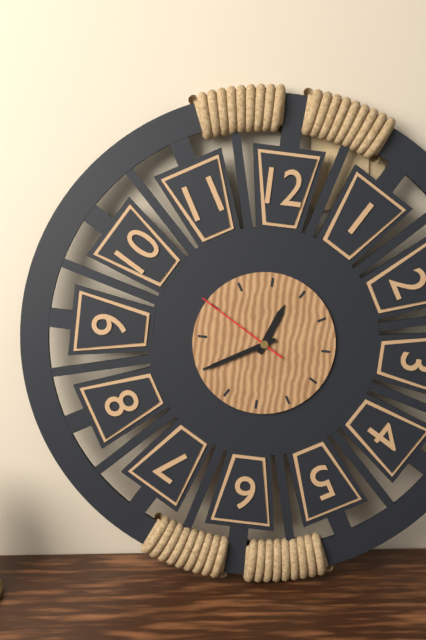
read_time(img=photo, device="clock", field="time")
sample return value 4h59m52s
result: 12h40m50s
